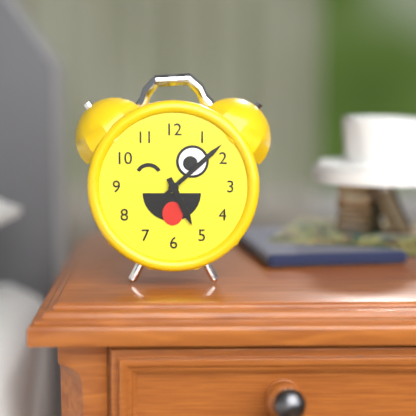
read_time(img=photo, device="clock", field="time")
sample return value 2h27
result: 5h08
